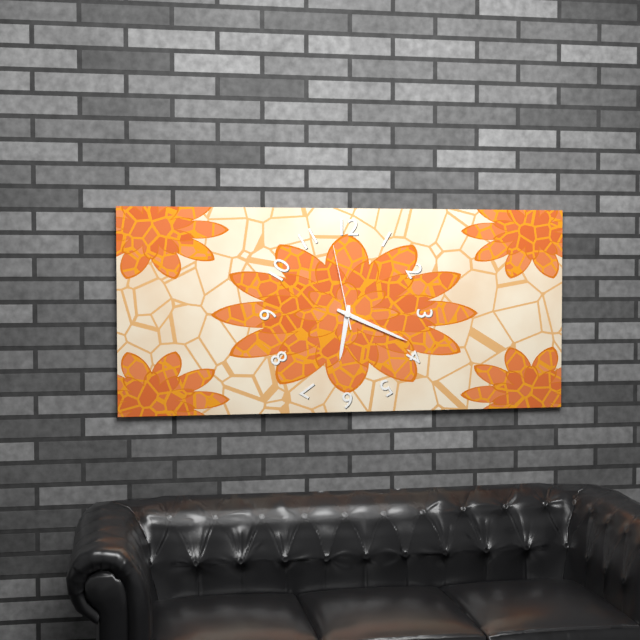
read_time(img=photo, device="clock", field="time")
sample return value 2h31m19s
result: 6h19m58s
